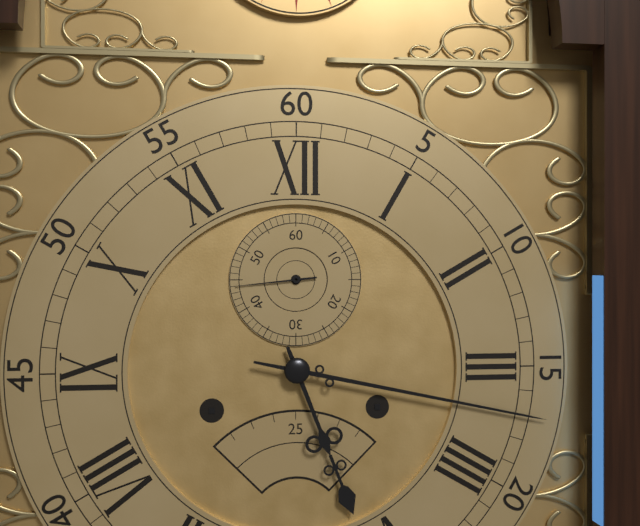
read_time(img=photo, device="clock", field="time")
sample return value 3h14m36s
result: 5h17m44s
